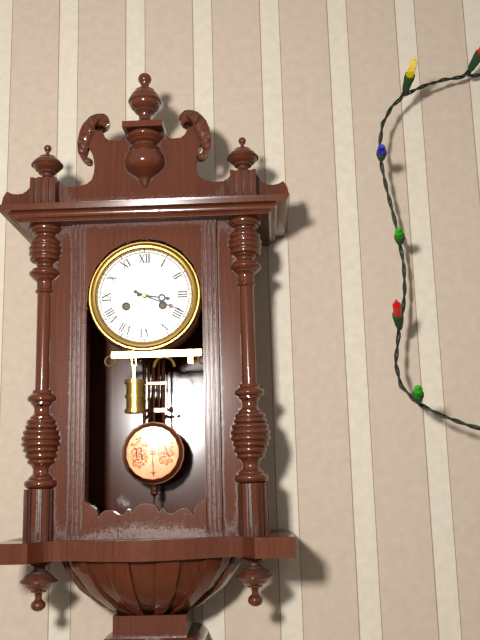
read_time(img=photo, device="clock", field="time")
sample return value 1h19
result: 3h19
